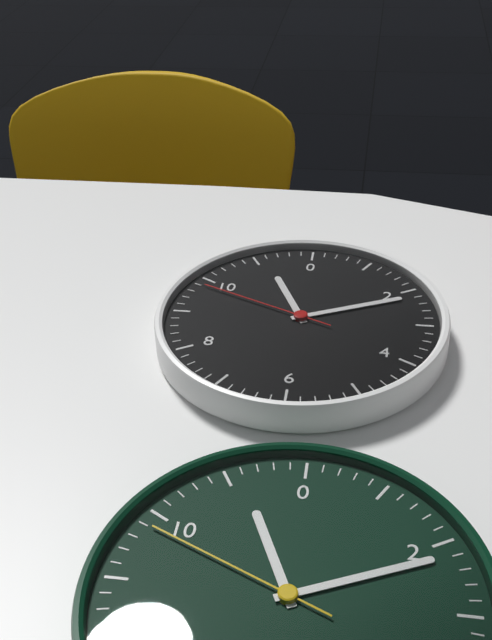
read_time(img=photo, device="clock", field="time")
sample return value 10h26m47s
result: 11h11m49s
